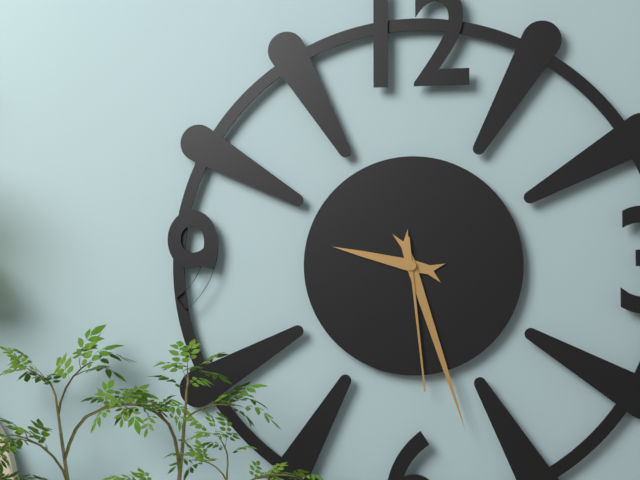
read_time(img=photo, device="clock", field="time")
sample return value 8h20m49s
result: 9h27m29s
